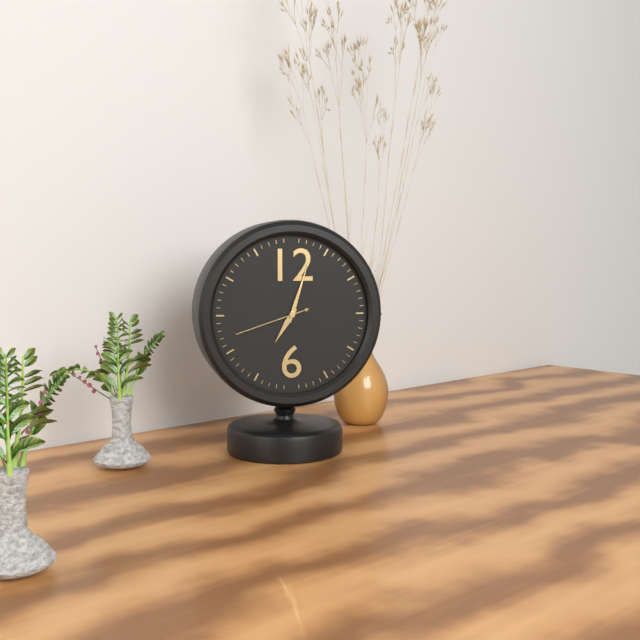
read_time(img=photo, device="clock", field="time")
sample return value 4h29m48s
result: 7h03m42s
